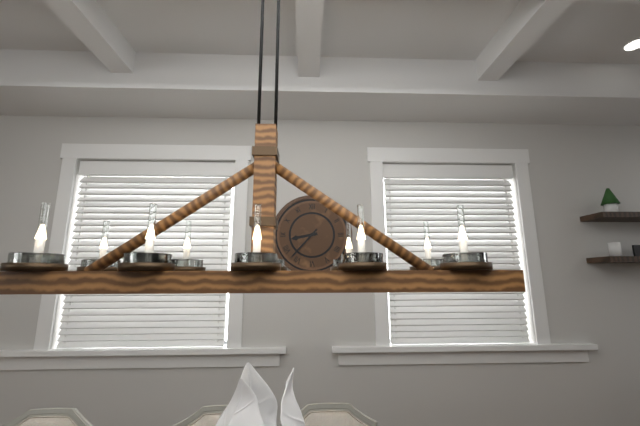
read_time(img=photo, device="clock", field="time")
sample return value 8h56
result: 8h37
